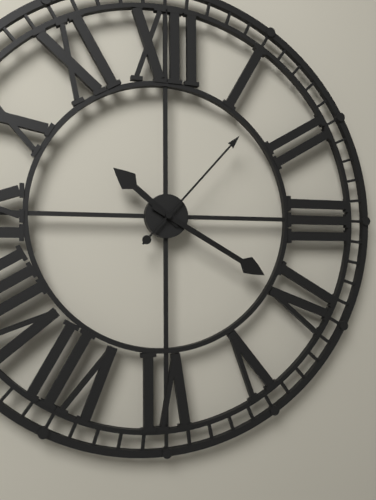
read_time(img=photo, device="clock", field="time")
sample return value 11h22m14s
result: 10h20m07s
